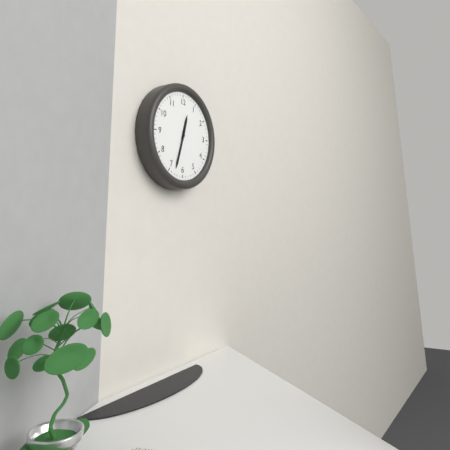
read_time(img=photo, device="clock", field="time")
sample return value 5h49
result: 12h33
